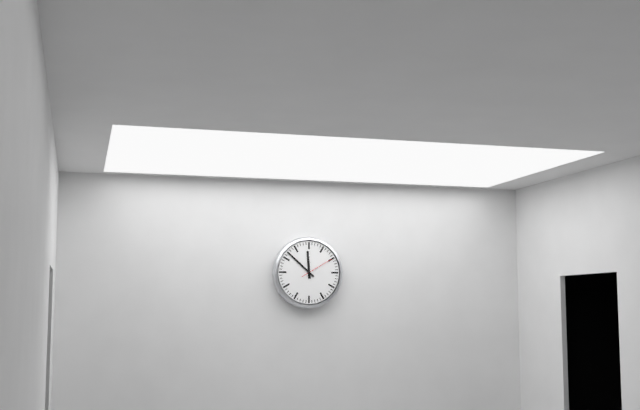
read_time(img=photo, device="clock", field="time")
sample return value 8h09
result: 11h52
